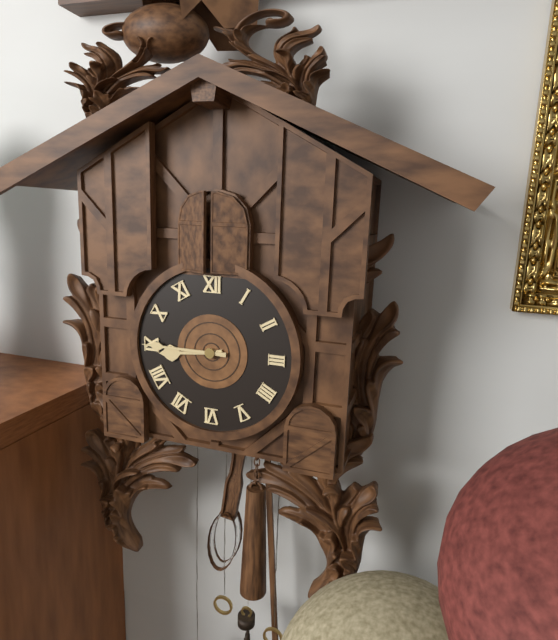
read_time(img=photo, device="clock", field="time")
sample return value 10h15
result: 8h45
